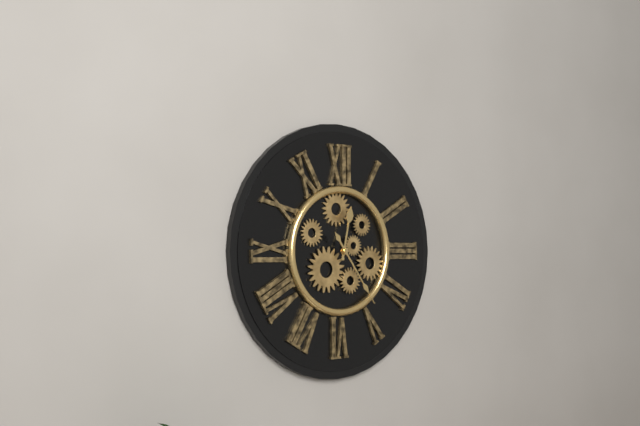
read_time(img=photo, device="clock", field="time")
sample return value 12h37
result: 12h24
